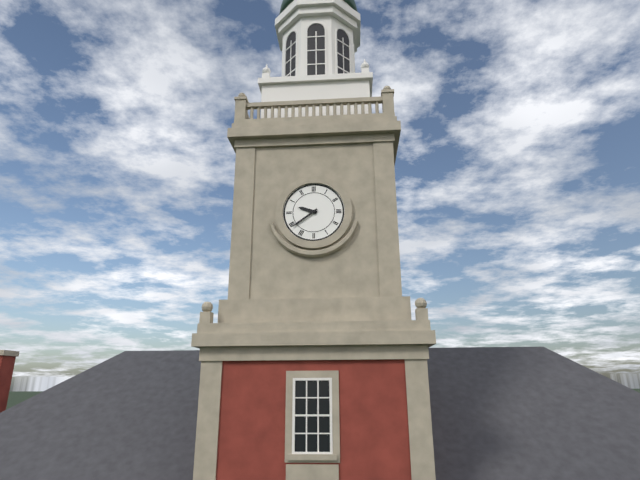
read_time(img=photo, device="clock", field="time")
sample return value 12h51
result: 9h39
